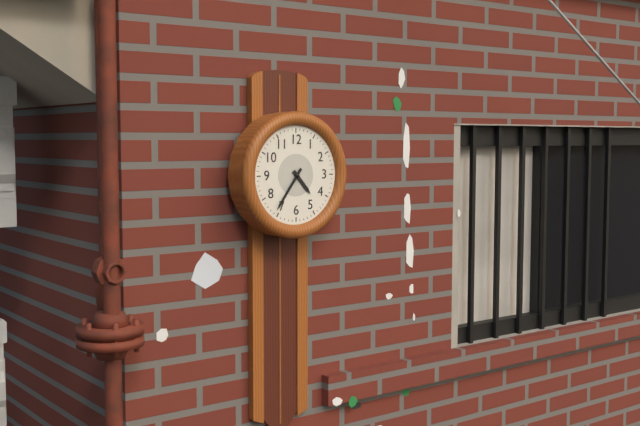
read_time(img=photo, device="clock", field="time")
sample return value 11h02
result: 4h36
